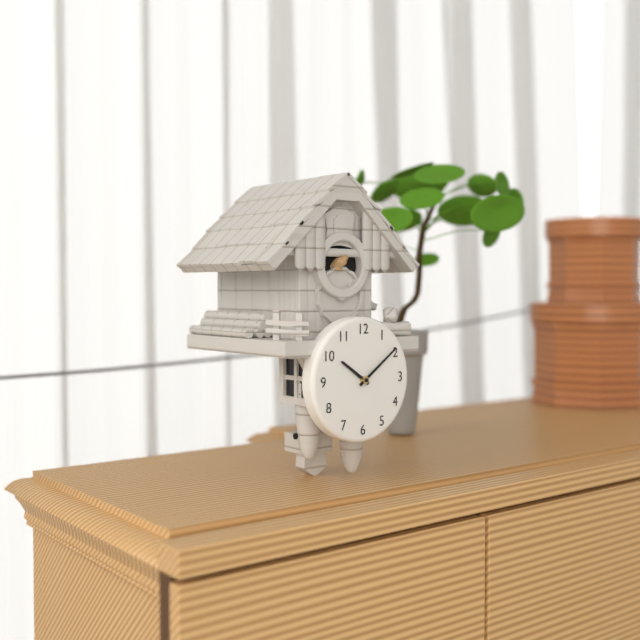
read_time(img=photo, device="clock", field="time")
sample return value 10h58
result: 10h09
